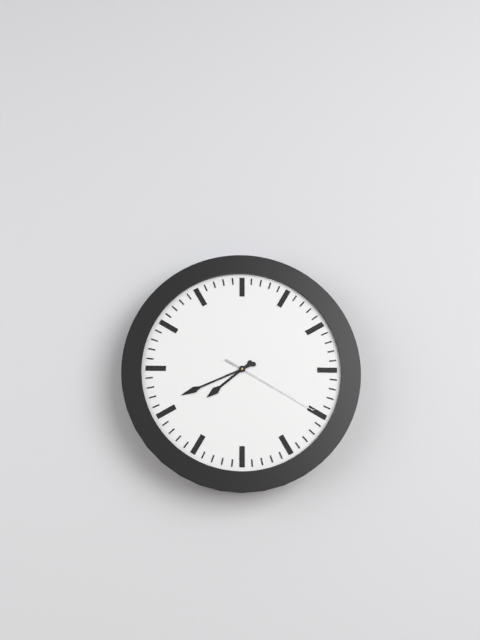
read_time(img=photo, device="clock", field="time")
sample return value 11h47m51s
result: 7h41m20s
